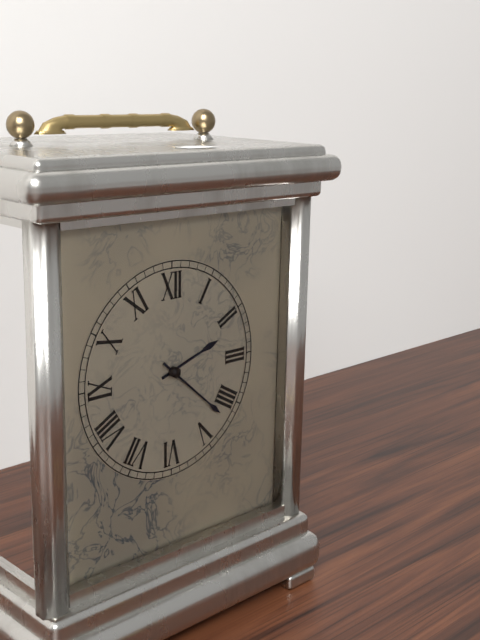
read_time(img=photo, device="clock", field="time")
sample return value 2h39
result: 2h22
